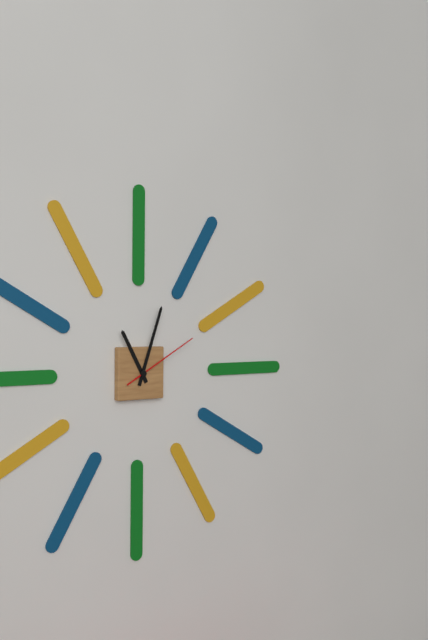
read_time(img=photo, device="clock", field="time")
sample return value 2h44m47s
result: 11h03m10s
